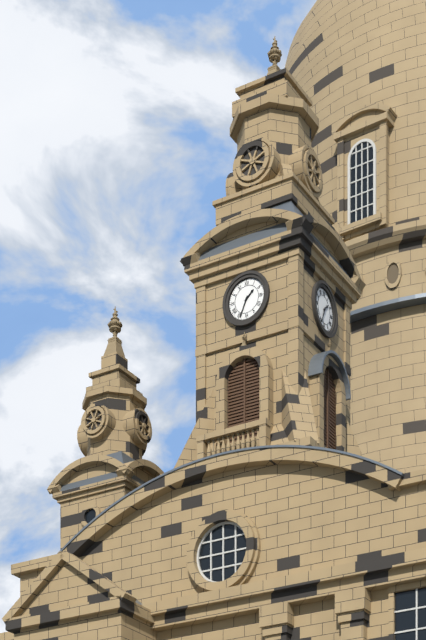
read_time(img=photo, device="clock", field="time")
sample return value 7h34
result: 1h34
